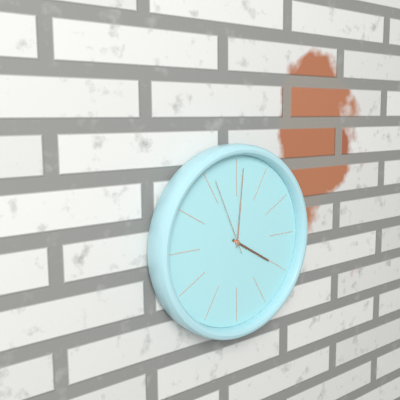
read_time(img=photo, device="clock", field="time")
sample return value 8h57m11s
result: 4h01m56s
